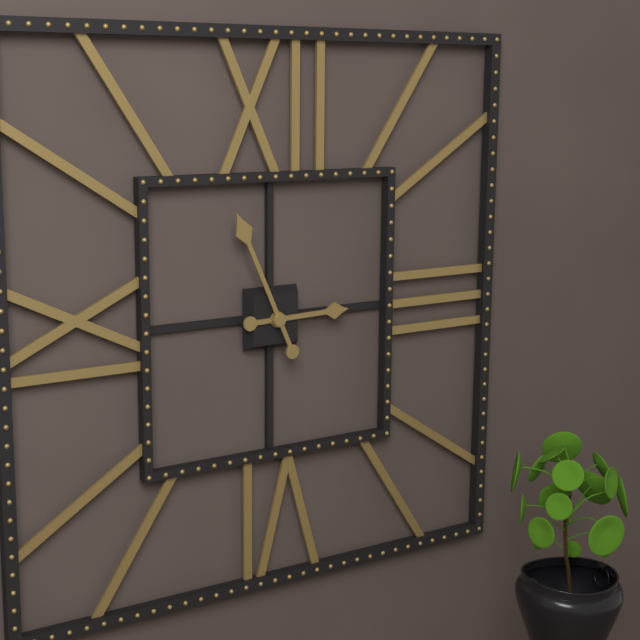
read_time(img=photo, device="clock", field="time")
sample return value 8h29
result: 2h56
